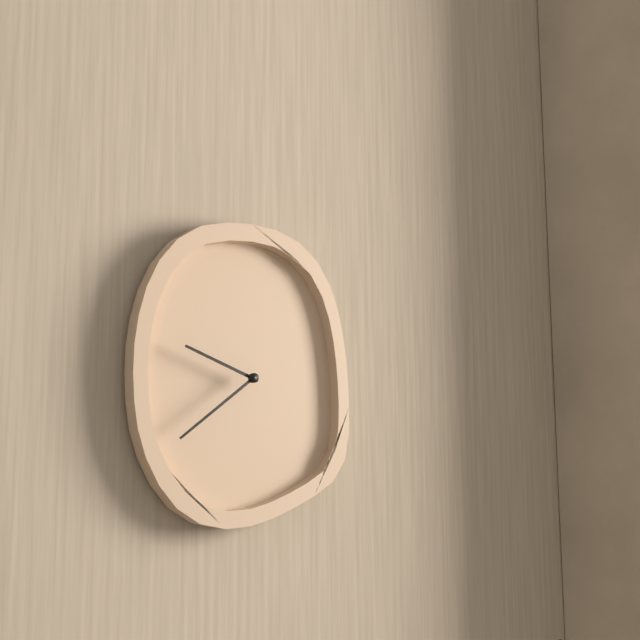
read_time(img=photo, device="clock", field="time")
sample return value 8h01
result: 9h39
